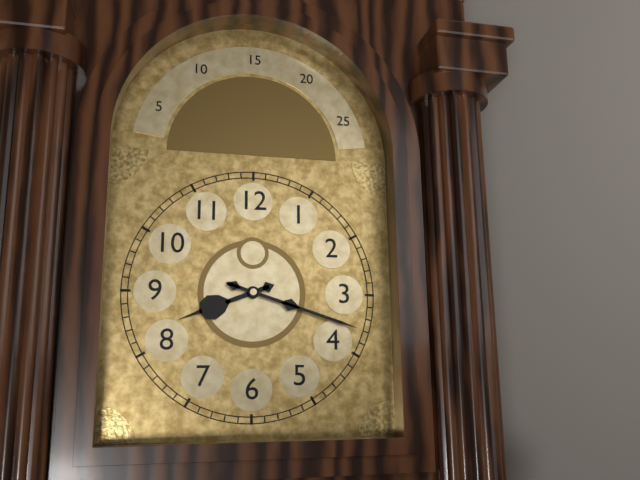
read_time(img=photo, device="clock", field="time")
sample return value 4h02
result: 8h18
